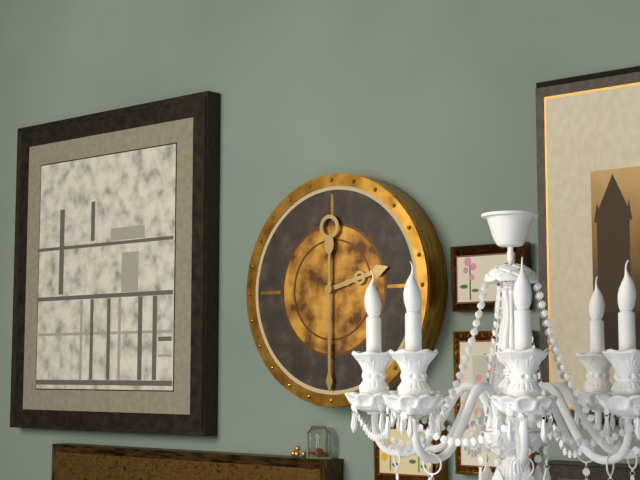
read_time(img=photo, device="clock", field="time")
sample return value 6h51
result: 2h30
